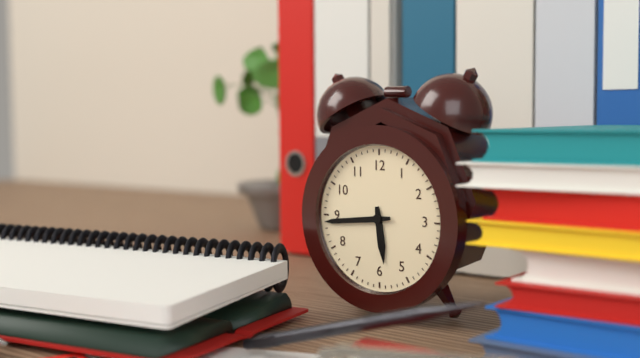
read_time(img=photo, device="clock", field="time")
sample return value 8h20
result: 5h44
